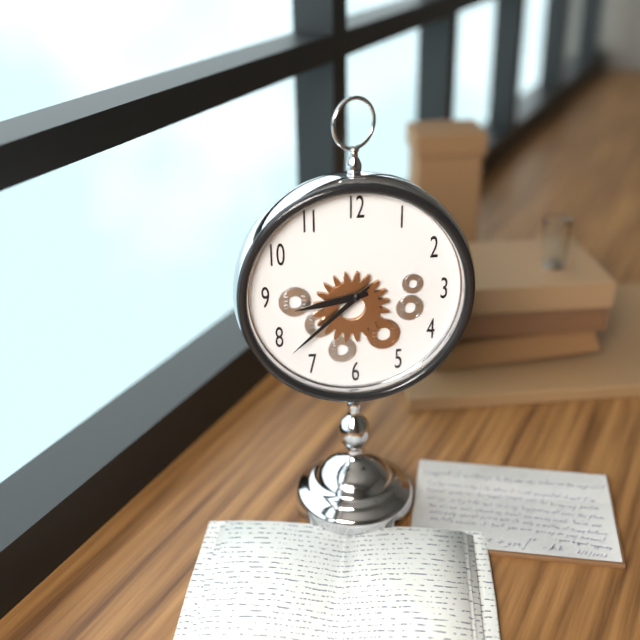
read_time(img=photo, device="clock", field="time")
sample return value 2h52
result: 8h38
